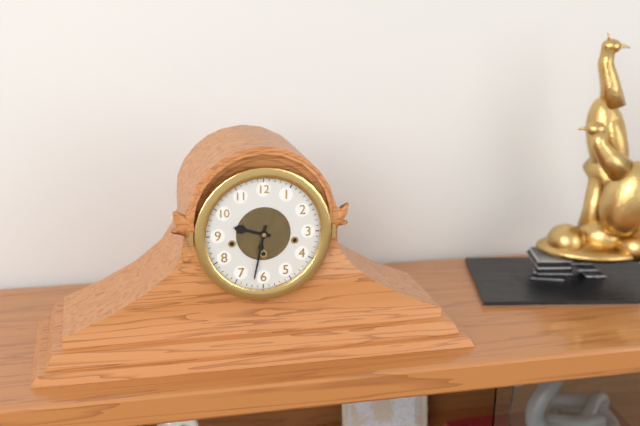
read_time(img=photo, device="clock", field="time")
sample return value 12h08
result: 9h32
